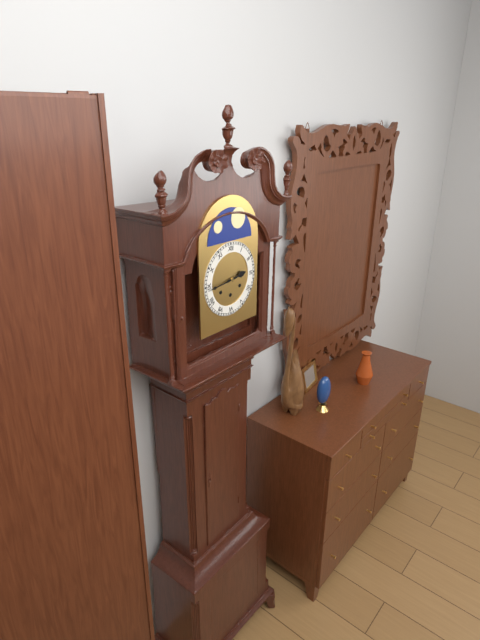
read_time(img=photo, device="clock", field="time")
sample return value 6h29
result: 2h44
